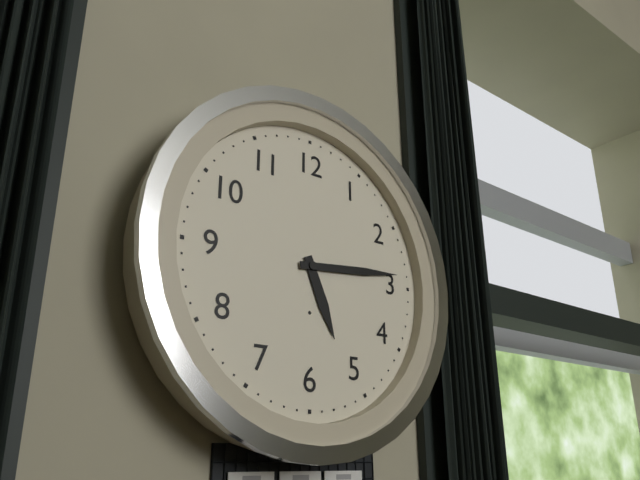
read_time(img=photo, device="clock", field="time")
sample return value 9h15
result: 5h14
